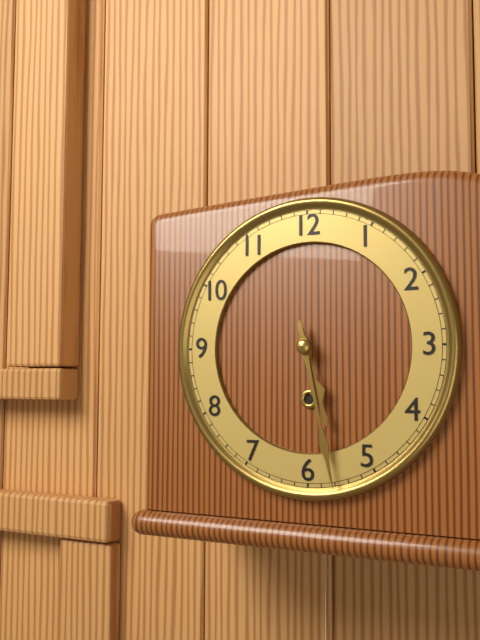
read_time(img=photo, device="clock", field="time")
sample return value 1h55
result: 5h28
